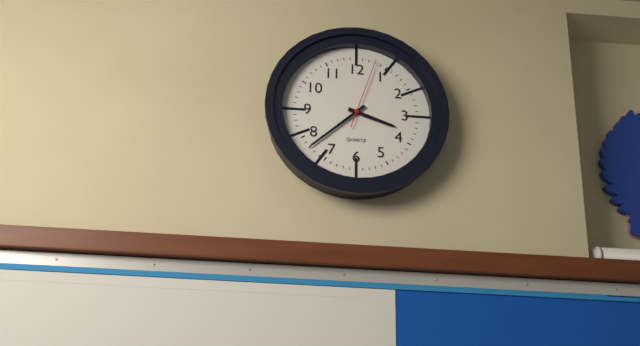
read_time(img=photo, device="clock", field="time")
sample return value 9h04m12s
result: 3h38m03s
